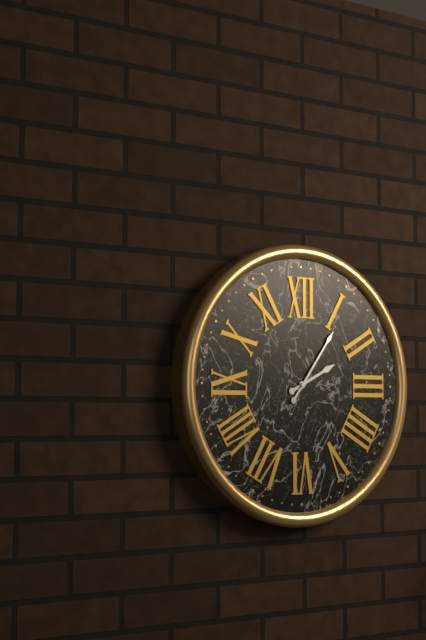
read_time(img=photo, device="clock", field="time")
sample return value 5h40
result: 2h06
